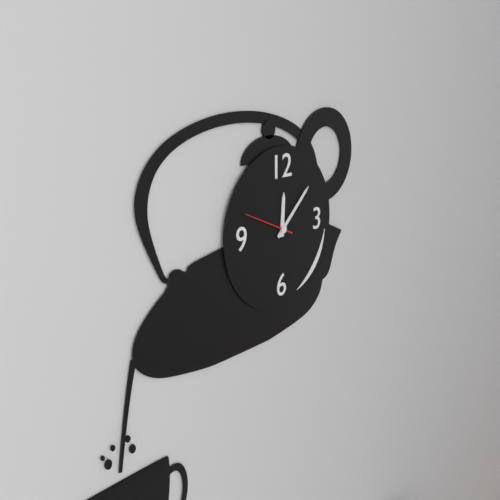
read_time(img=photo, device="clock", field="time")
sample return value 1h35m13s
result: 12h08m49s
